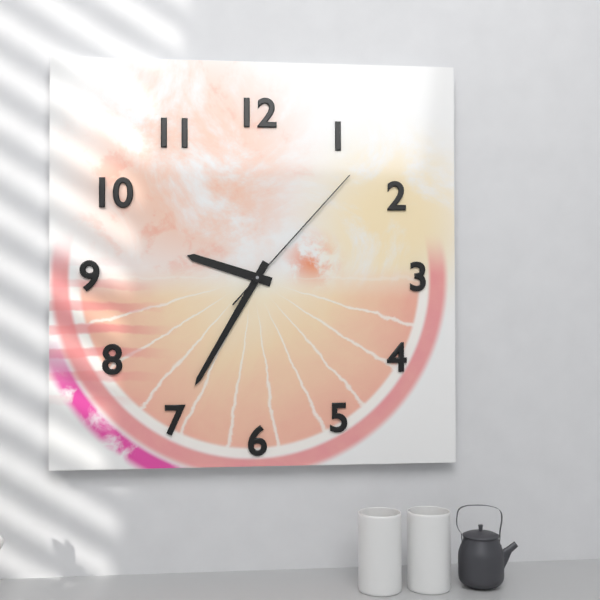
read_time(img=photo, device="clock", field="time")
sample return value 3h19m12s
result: 9h35m07s
